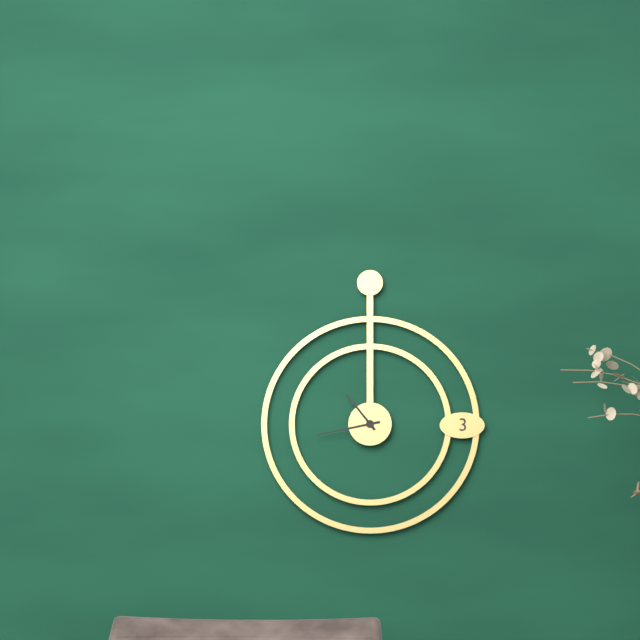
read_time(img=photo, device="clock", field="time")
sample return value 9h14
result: 10h43
